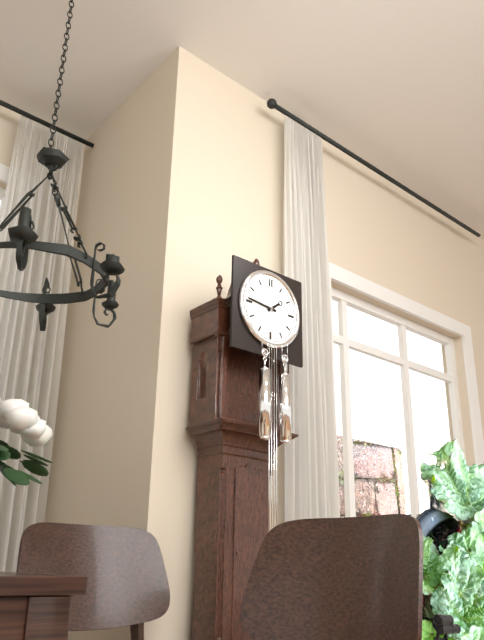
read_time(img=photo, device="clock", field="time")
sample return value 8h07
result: 1h46
